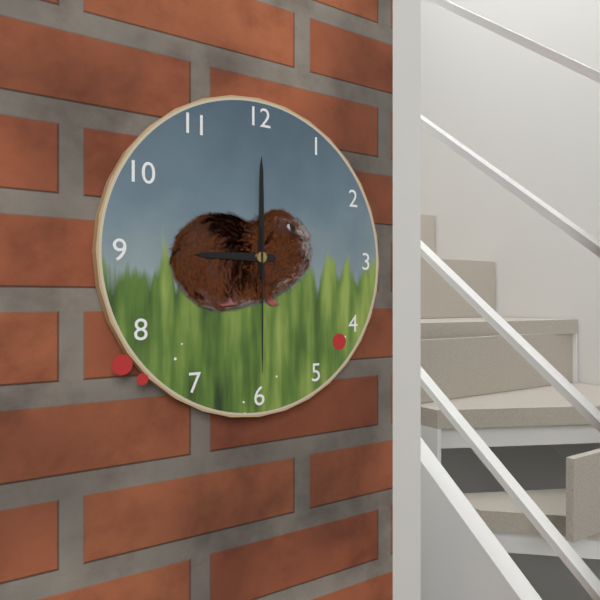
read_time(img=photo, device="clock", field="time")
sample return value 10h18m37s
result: 9h00m30s
